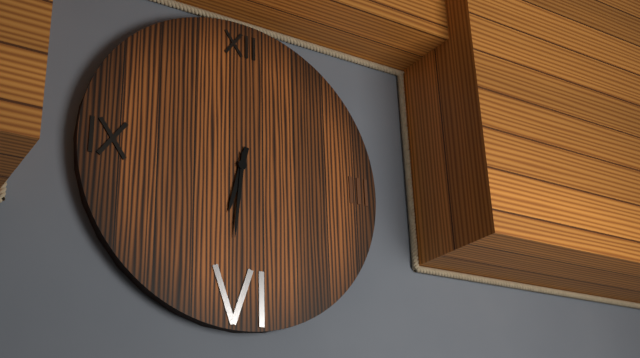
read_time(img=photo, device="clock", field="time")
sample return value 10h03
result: 6h31
